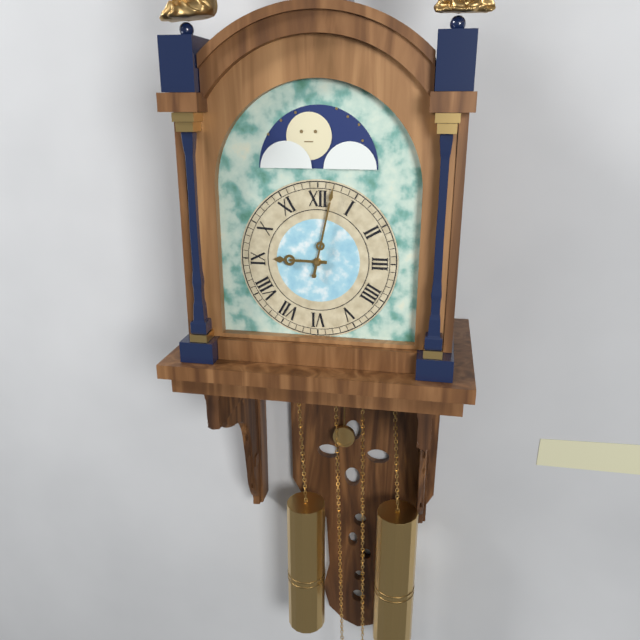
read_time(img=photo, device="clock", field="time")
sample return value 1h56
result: 9h02
